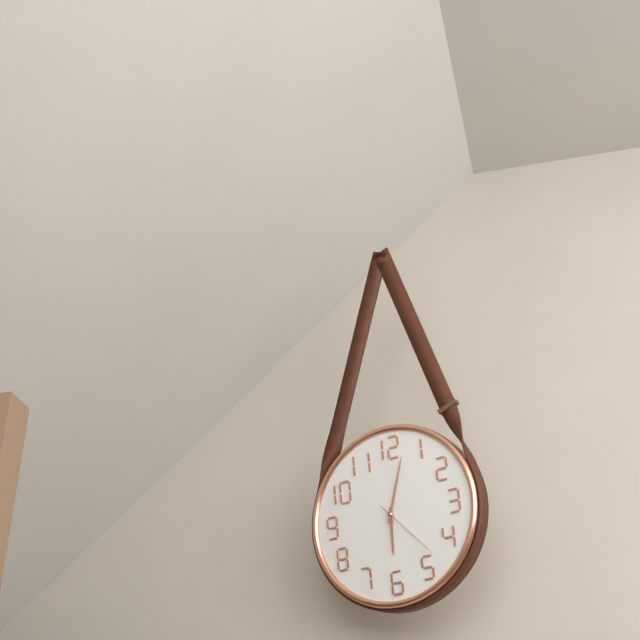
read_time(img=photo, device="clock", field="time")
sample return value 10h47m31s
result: 6h03m23s
